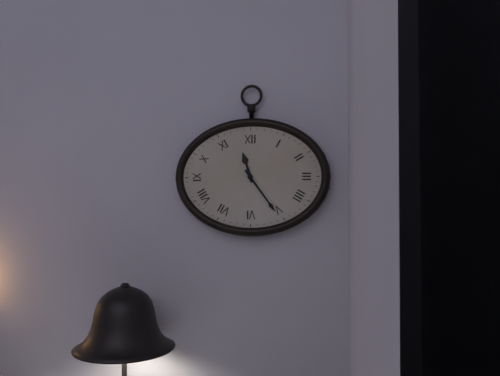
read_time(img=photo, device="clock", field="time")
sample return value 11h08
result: 11h24
